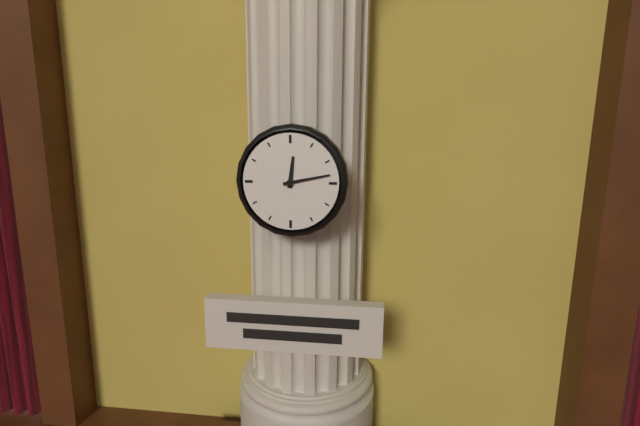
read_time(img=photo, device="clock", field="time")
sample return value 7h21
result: 12h13
